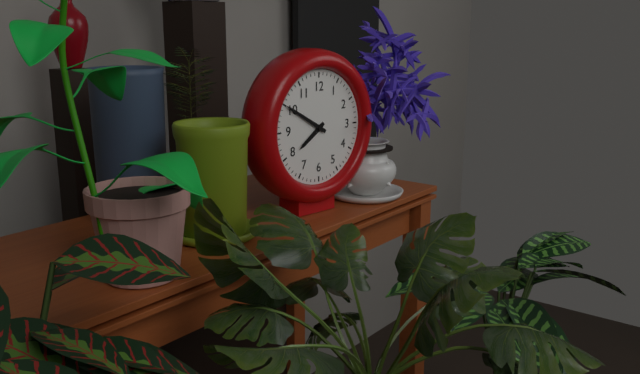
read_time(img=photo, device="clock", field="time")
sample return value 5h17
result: 7h50
